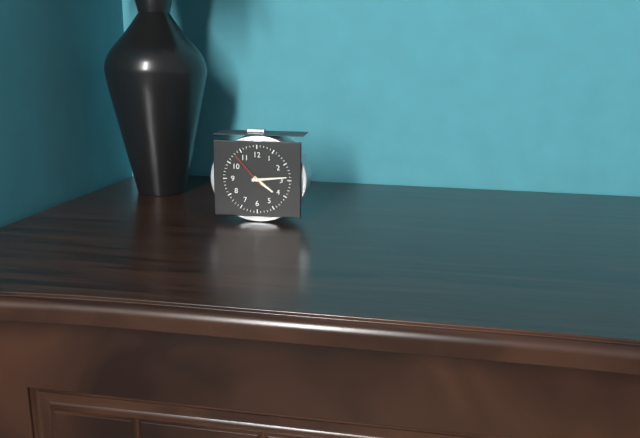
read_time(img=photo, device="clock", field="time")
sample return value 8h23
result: 4h14
